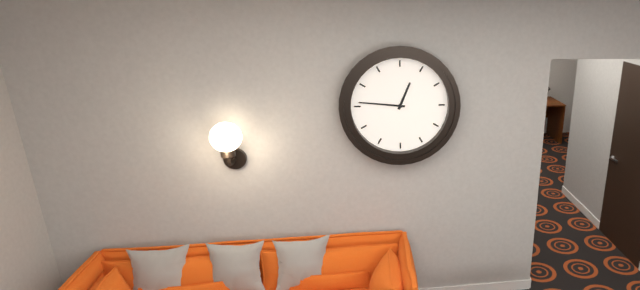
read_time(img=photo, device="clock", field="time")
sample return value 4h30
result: 12h46
